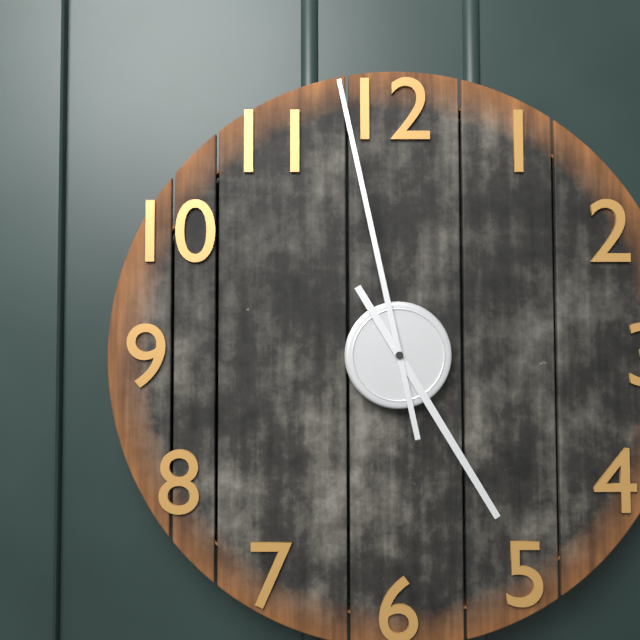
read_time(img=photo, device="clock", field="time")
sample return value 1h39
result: 4h58
